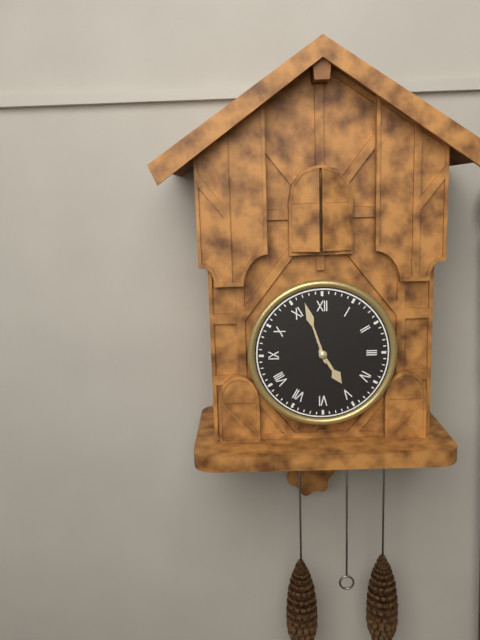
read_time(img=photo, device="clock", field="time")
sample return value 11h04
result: 4h57
